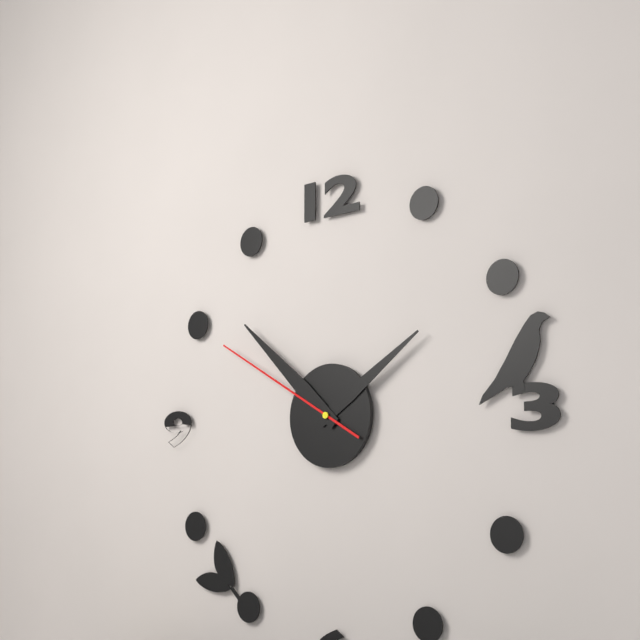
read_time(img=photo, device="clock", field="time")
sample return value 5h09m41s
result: 1h52m50s
